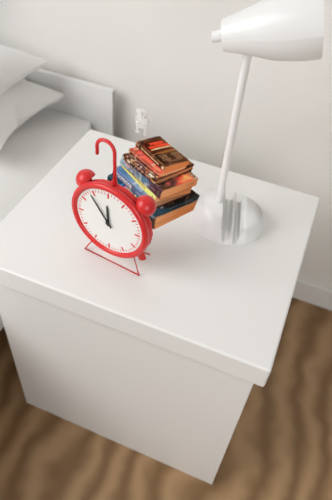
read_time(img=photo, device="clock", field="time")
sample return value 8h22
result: 11h54
